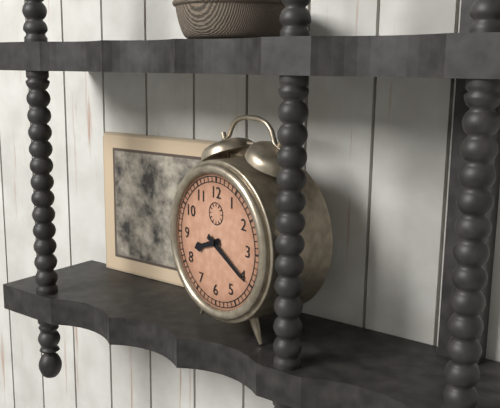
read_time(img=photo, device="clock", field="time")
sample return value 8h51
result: 8h20
